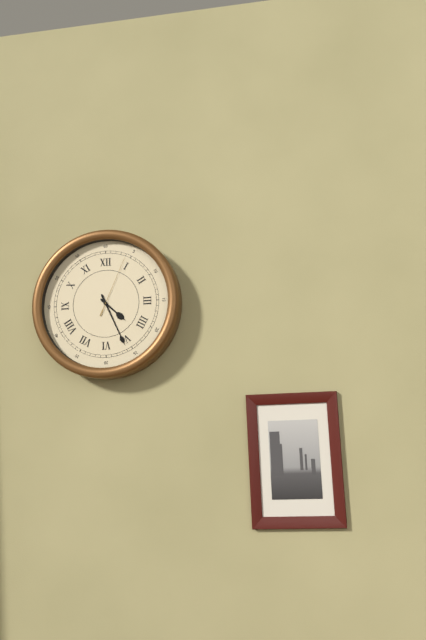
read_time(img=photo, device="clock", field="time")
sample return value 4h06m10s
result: 4h26m04s
